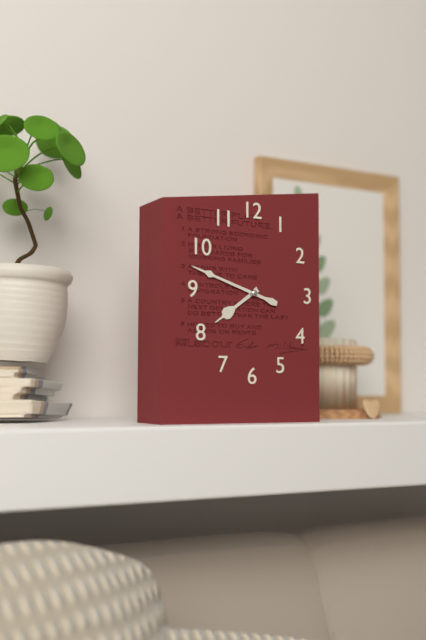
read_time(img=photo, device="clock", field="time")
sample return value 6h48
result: 7h48
